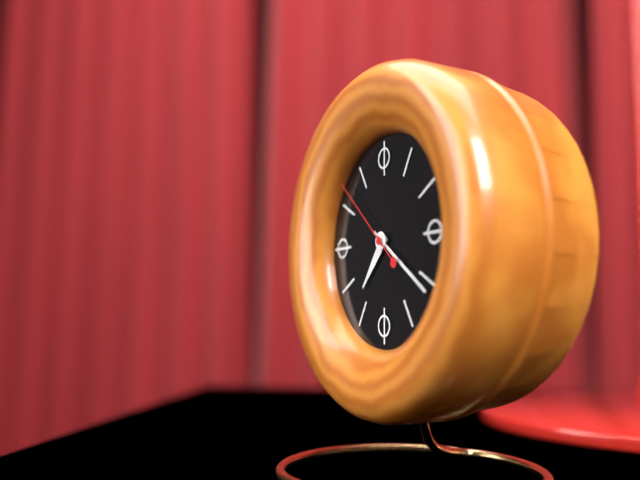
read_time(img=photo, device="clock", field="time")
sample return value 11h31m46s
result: 7h21m52s
